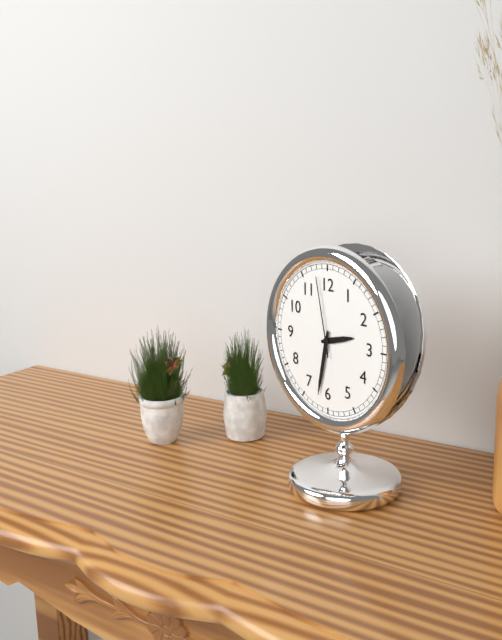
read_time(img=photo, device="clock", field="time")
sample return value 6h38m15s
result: 2h32m58s
